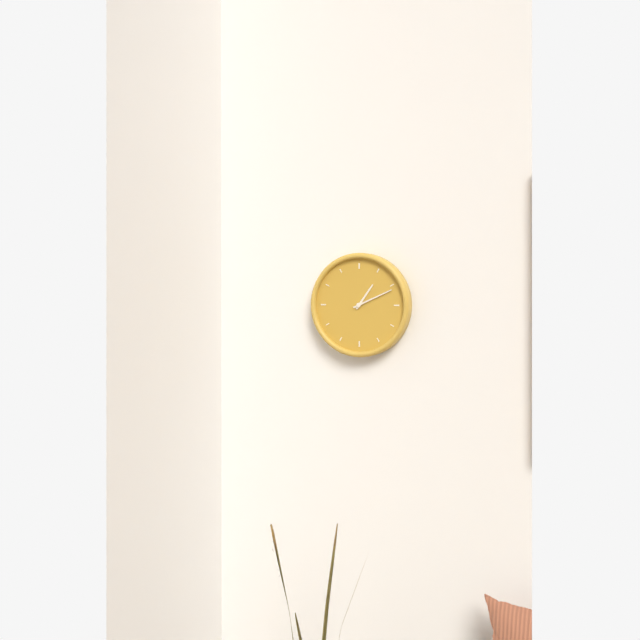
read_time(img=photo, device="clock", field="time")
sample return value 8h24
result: 1h11
